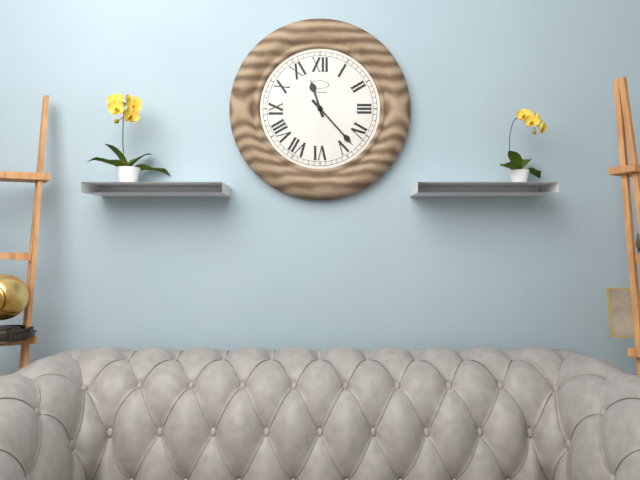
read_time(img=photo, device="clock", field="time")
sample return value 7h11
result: 11h23
